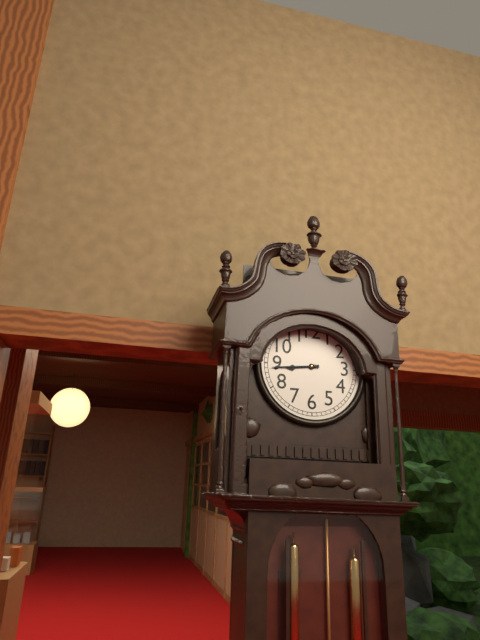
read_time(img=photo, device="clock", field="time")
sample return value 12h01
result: 8h44
